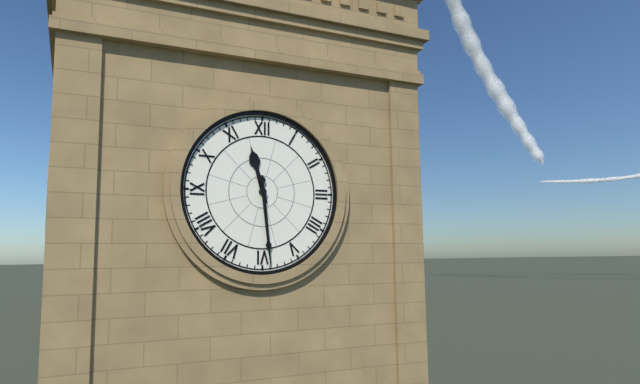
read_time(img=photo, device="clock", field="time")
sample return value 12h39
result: 11h29
